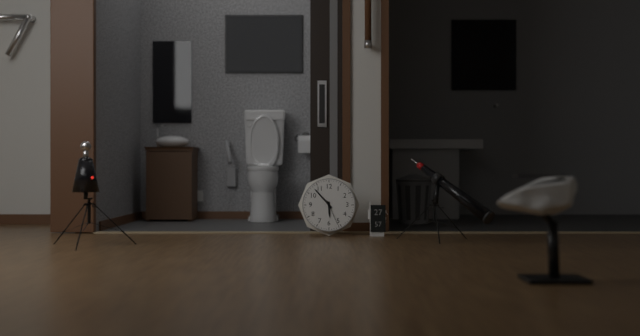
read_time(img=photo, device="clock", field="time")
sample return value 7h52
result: 5h53
